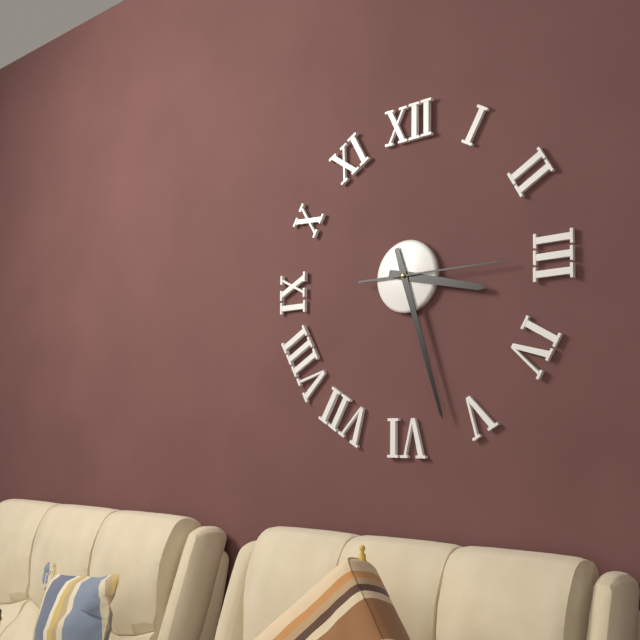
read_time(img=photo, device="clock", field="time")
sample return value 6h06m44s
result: 3h27m15s
